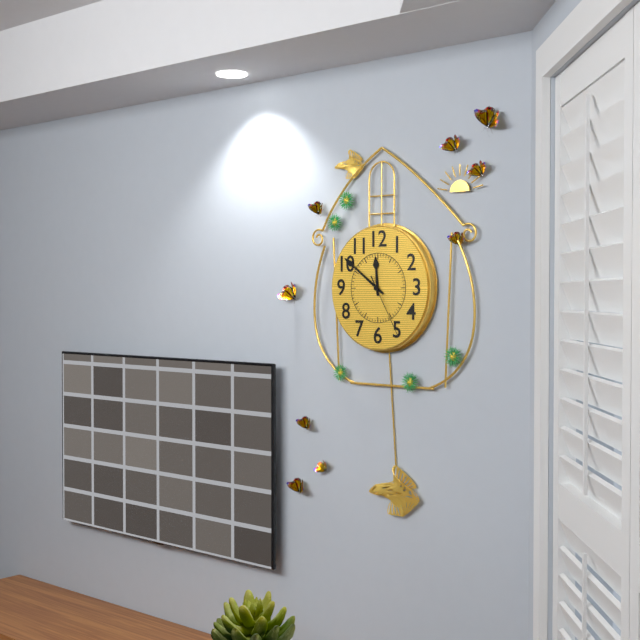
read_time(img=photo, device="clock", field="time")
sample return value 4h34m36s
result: 11h51m25s
